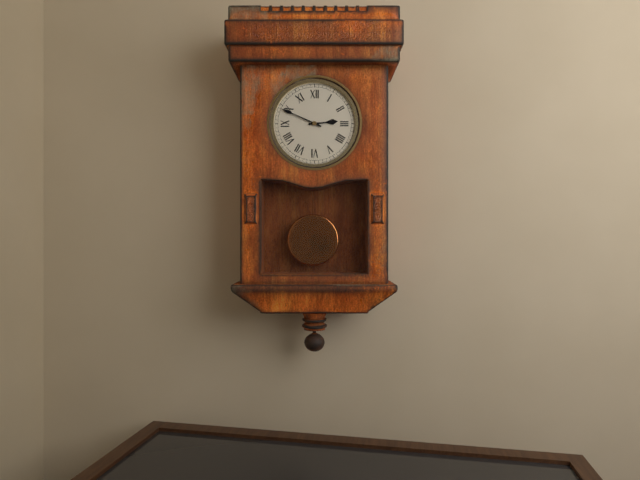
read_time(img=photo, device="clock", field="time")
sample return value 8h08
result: 2h49
